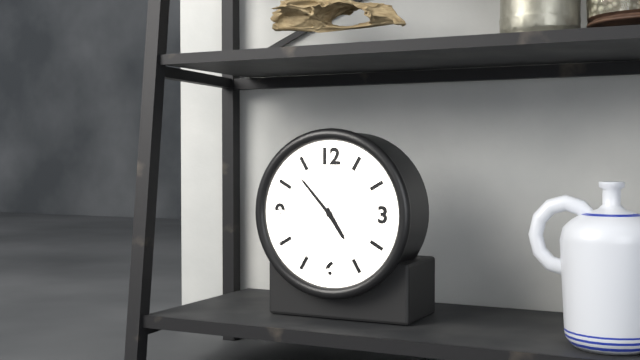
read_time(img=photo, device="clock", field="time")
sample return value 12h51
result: 4h53
